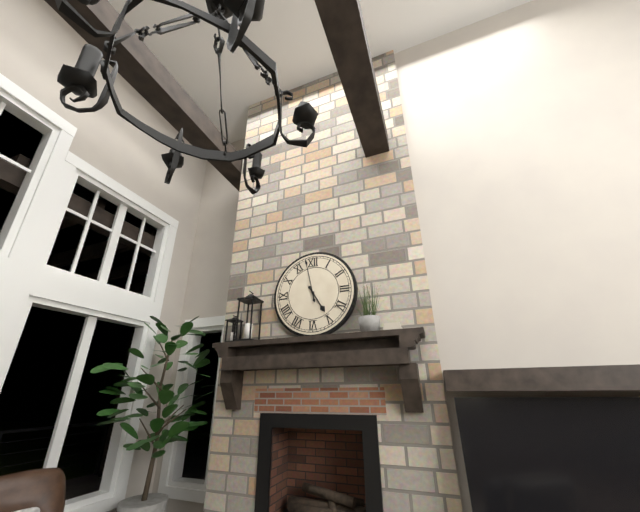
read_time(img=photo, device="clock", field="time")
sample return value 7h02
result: 4h58
